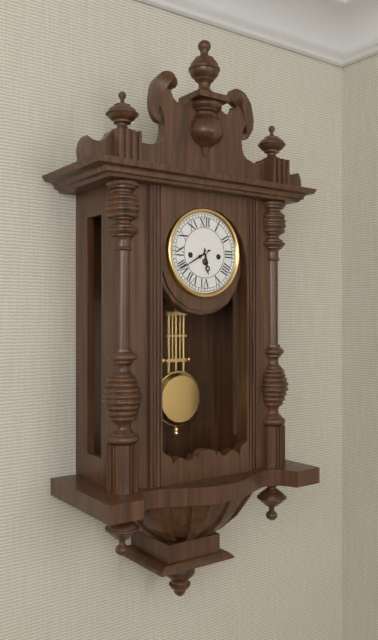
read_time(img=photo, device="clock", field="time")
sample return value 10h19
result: 5h40
